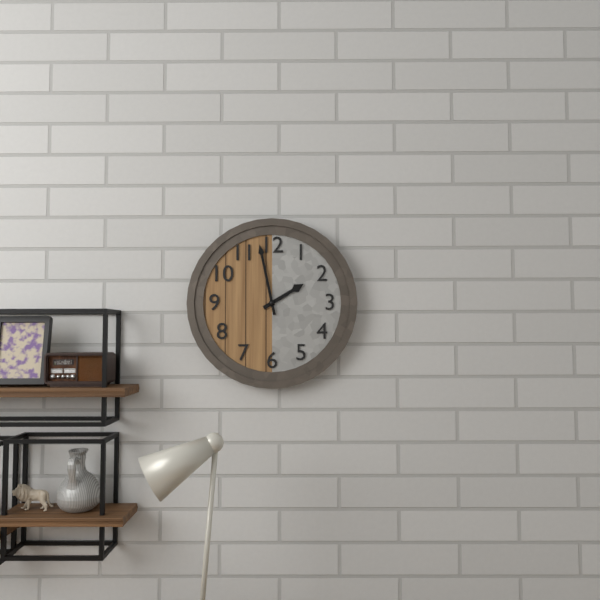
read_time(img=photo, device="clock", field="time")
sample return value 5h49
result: 1h58
